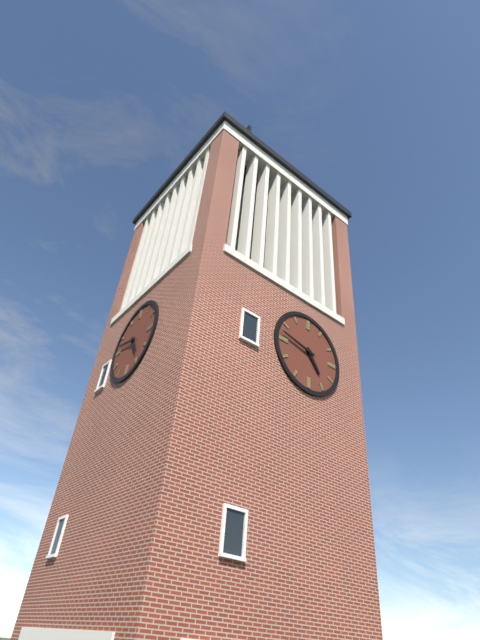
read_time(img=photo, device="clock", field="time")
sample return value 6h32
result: 4h47
